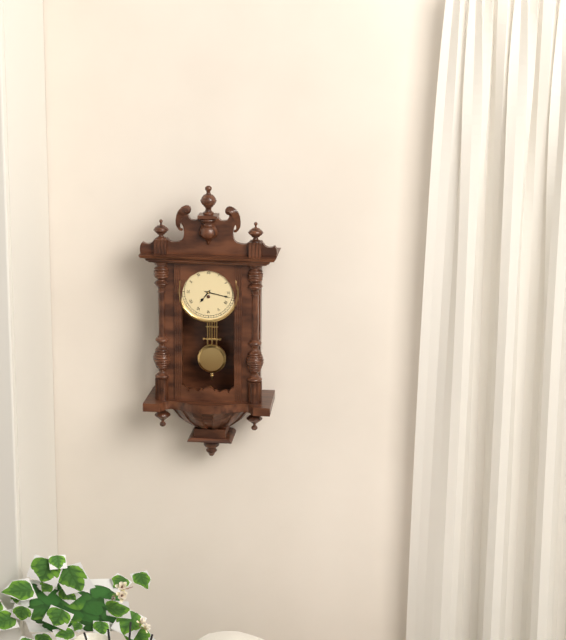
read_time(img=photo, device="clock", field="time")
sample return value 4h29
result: 7h17
